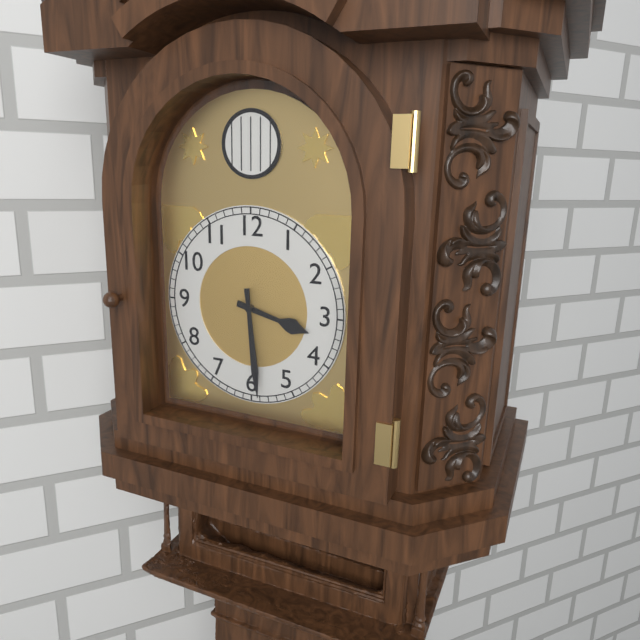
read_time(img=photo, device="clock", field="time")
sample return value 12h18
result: 3h29
